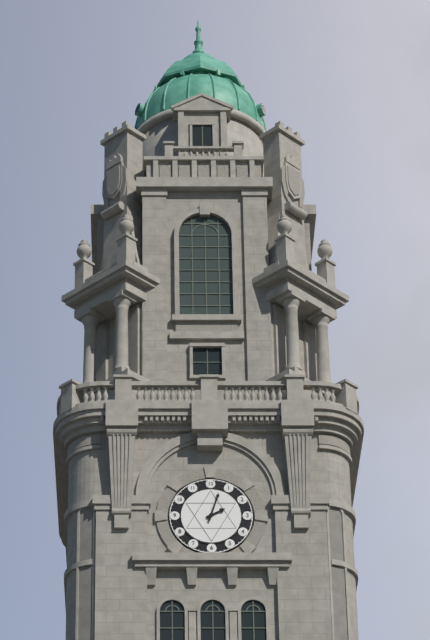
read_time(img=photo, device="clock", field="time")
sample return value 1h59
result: 2h03
